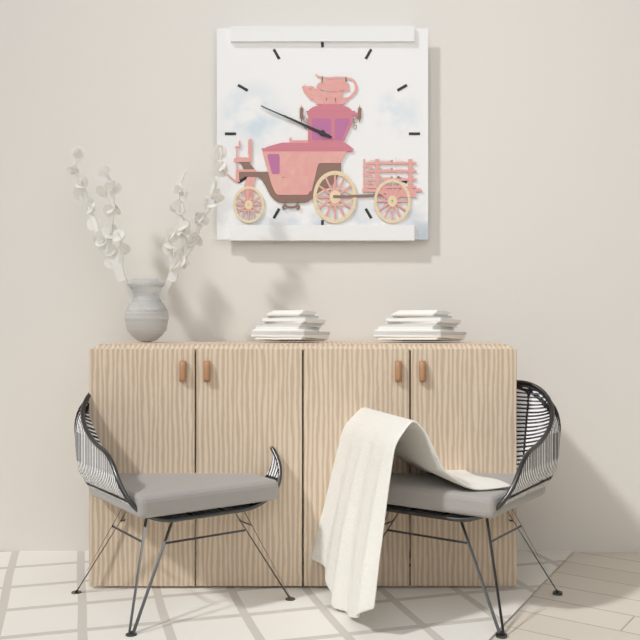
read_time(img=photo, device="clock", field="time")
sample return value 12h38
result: 9h49
